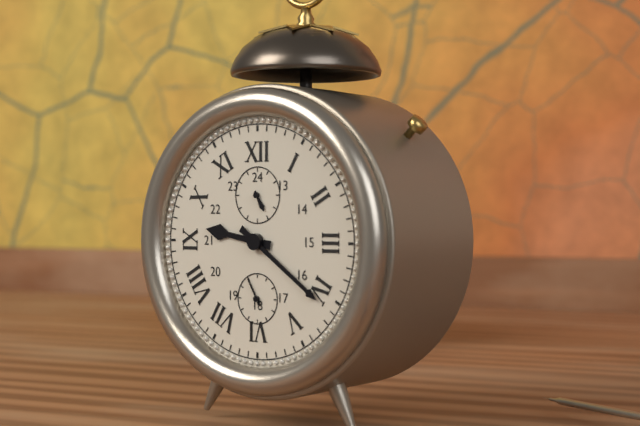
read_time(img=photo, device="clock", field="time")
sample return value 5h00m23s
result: 9h21m55s
